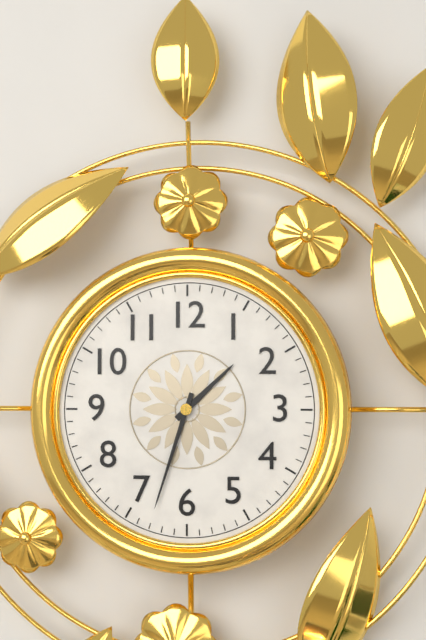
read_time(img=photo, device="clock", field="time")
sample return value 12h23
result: 1h33
